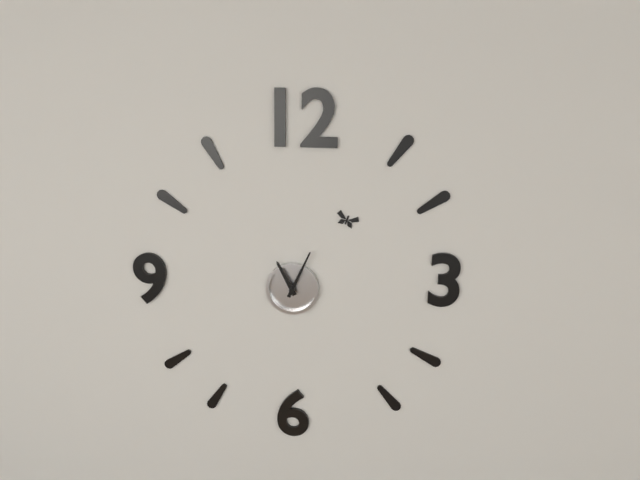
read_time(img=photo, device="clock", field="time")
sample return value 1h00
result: 11h04
